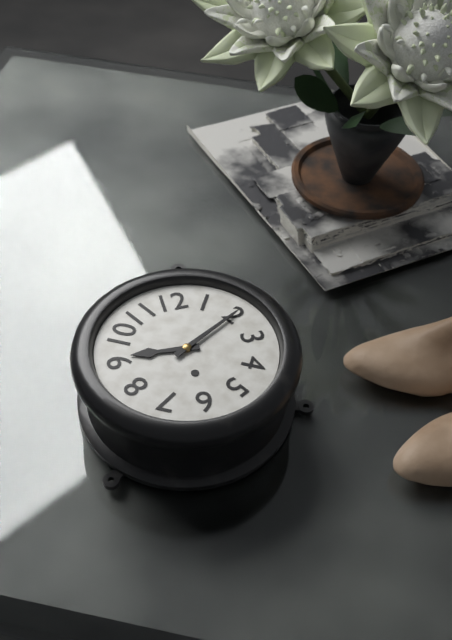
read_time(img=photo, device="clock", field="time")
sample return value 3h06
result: 9h10
